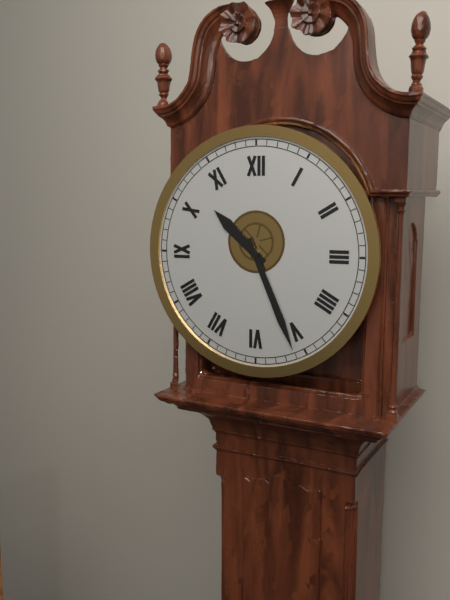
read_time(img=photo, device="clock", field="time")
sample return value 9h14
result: 10h26
